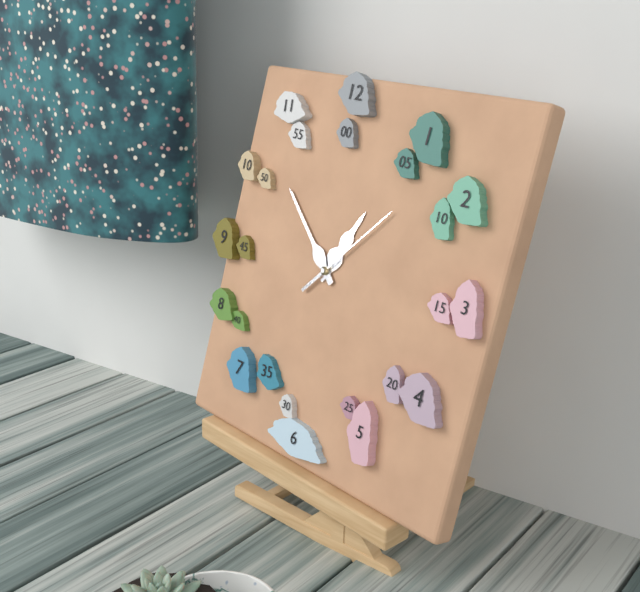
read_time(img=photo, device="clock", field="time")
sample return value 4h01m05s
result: 12h52m07s
